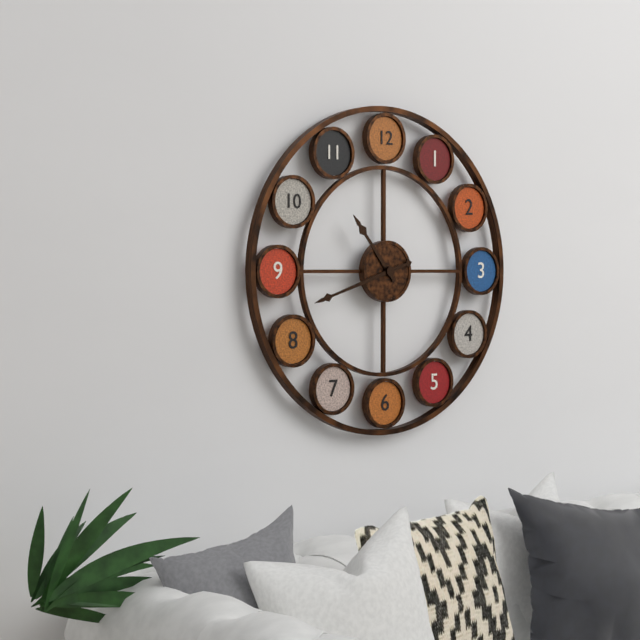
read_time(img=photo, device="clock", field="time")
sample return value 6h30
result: 10h42
